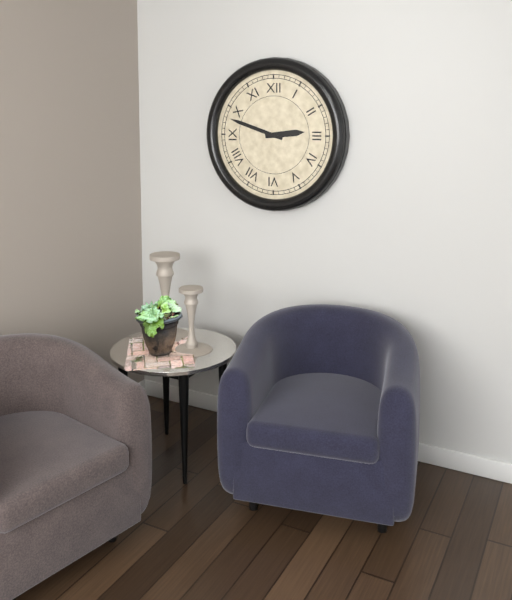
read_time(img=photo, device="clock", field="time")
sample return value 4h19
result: 2h48
